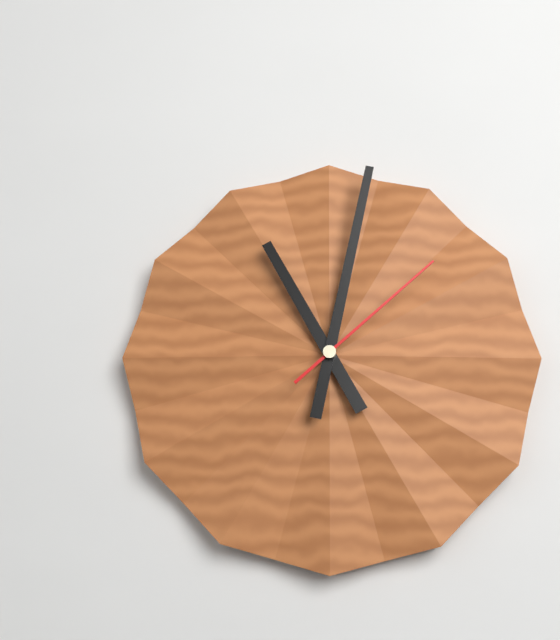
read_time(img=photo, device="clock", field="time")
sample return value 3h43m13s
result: 11h02m08s
